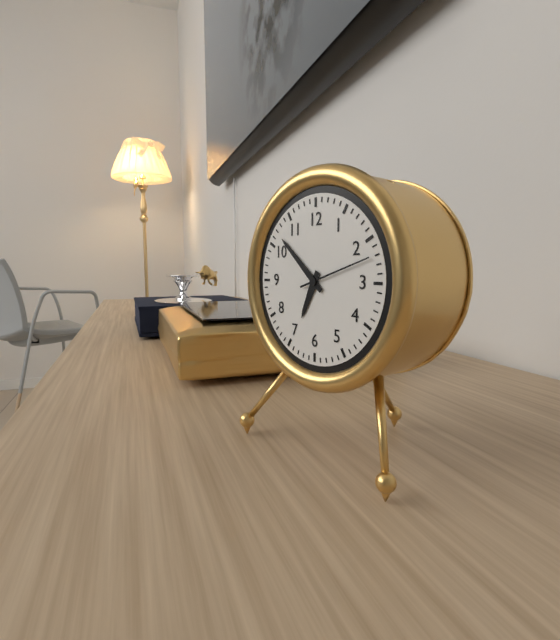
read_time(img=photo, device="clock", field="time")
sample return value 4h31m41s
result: 6h52m12s
